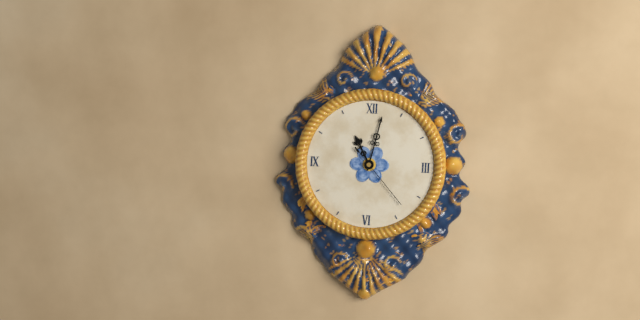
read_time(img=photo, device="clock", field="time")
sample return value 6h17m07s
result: 11h02m23s
